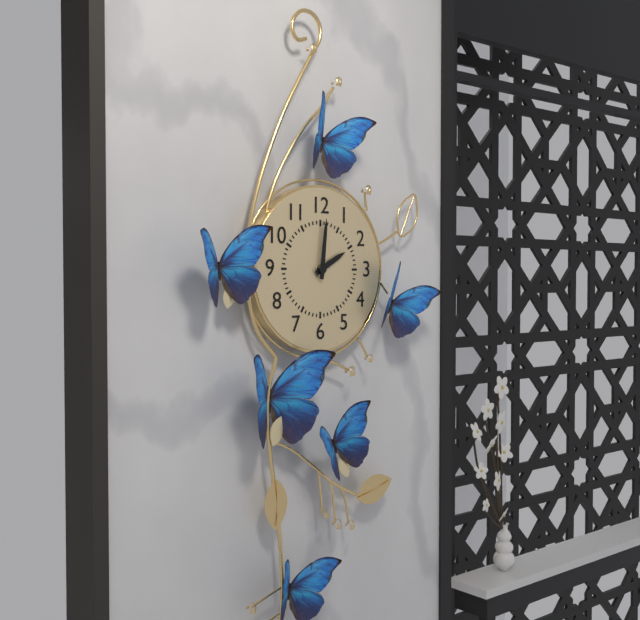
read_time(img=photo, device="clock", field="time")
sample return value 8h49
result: 2h01
